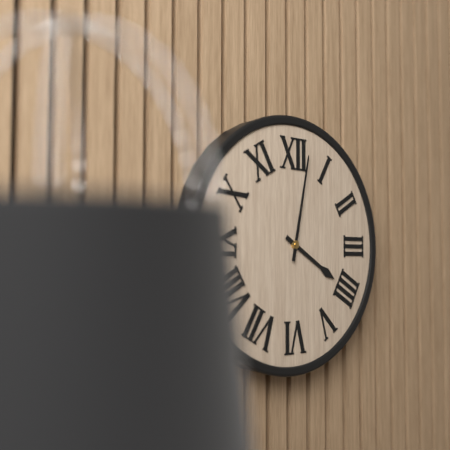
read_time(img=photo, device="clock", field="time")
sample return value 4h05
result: 4h02
